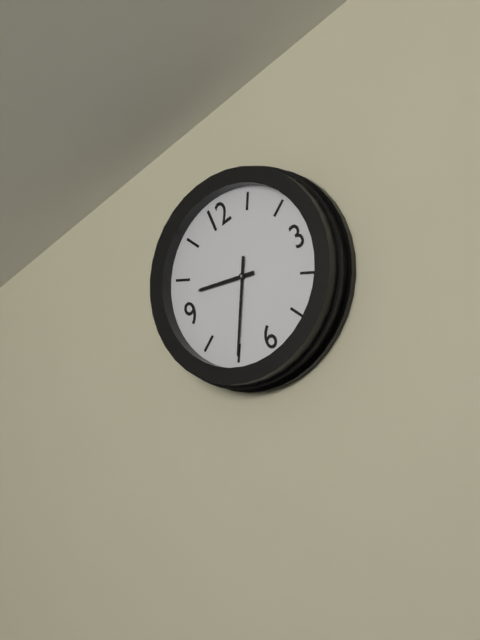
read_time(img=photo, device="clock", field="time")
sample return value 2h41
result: 9h35
